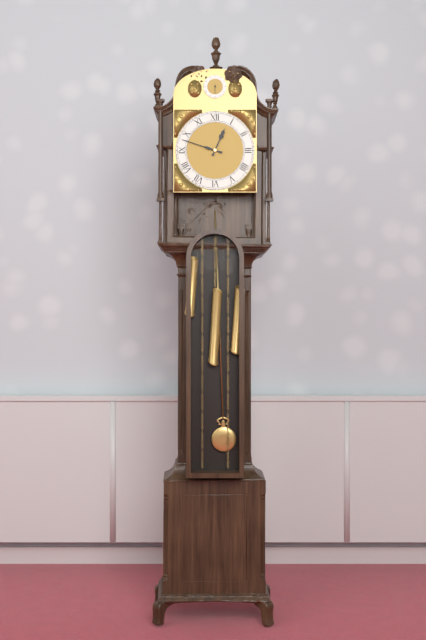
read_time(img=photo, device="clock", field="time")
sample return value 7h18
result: 12h48
